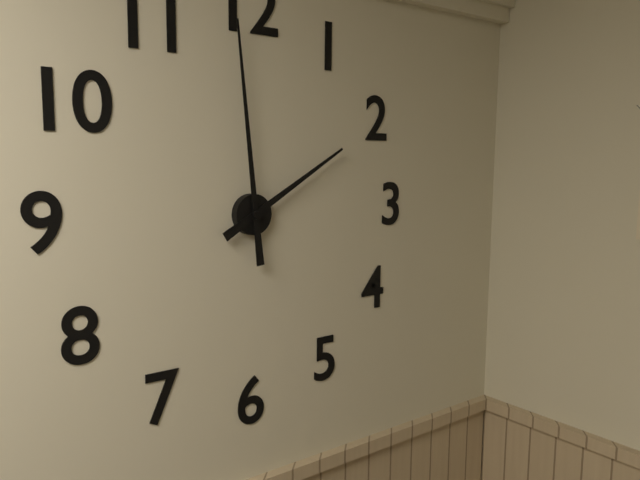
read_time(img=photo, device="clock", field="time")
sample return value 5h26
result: 1h59
